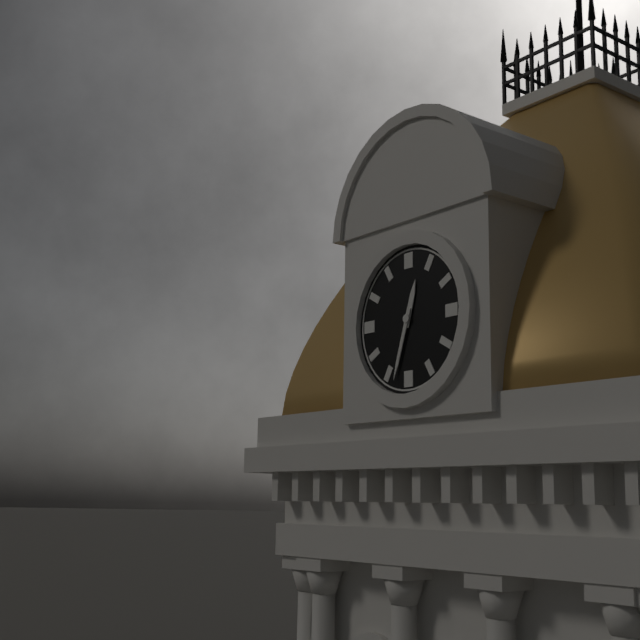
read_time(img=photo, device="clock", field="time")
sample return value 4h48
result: 12h33
